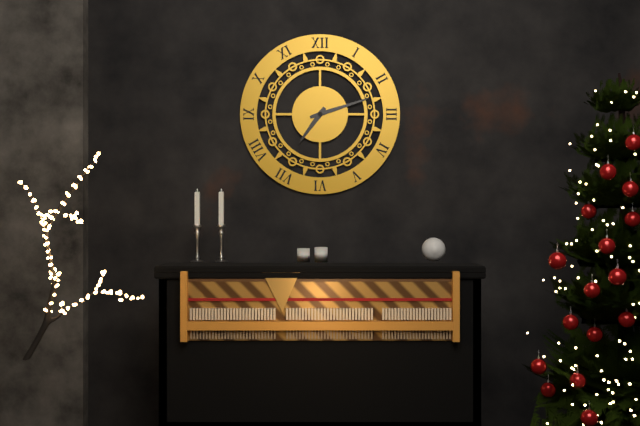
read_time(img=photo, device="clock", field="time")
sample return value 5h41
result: 7h12
